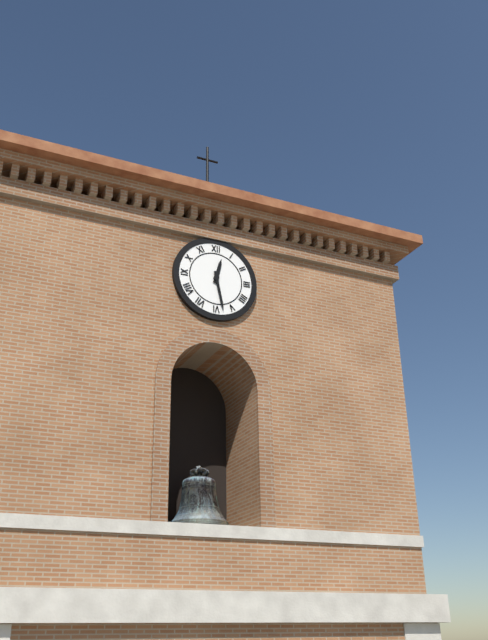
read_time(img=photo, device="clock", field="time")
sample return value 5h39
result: 12h28
